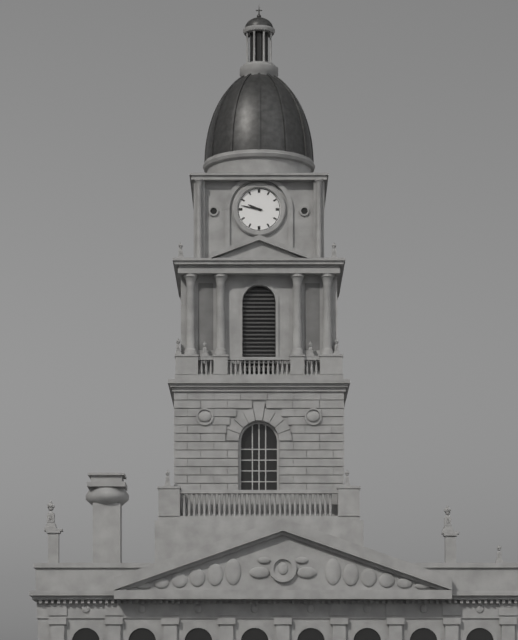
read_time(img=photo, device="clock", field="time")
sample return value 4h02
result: 9h47
